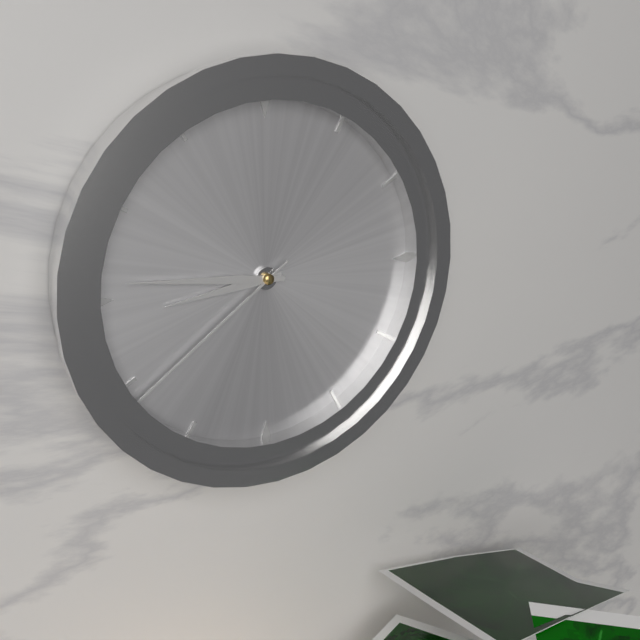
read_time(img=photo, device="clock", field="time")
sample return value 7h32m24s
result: 8h46m39s
